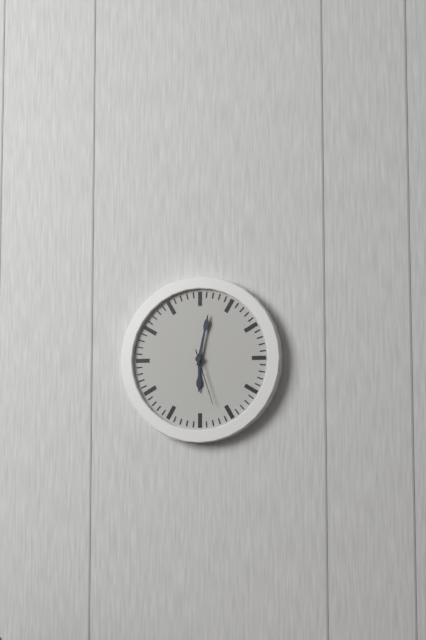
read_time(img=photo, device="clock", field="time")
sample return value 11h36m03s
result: 6h02m27s
